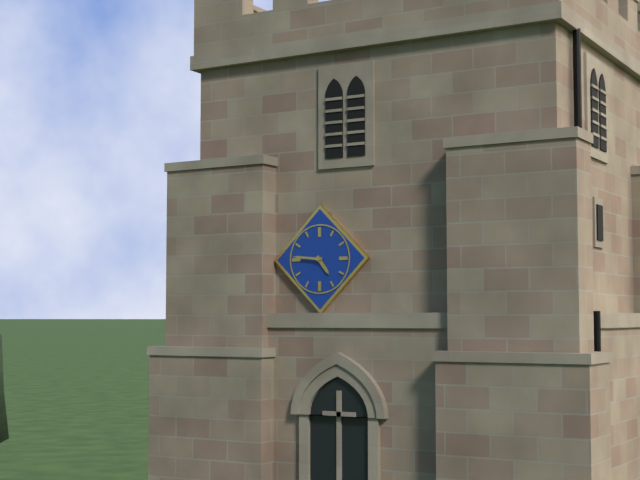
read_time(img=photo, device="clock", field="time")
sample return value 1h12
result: 4h46
